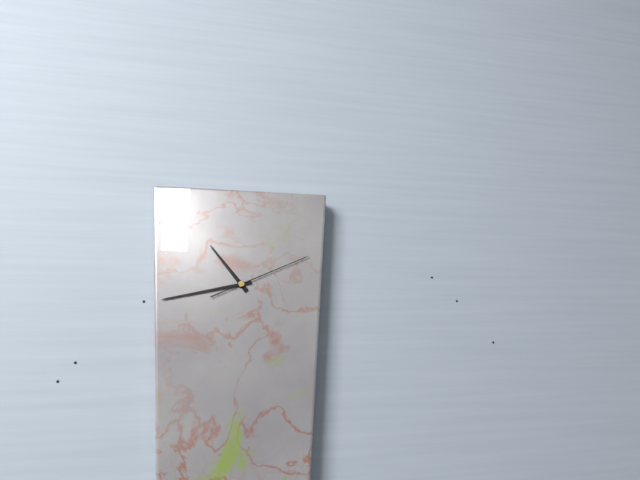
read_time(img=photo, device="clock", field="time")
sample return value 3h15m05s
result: 10h43m11s
